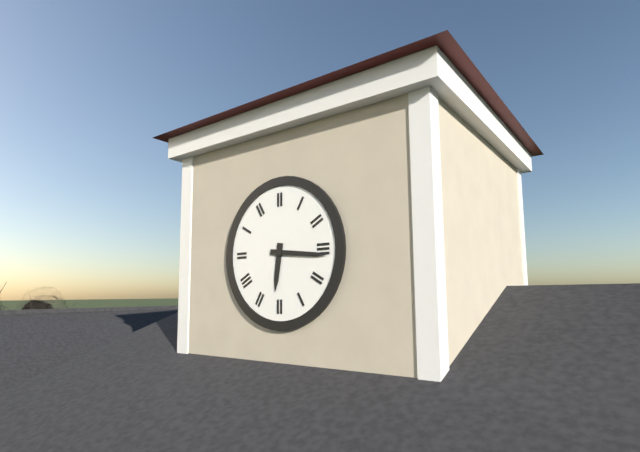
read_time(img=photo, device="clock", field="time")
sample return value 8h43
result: 6h16
